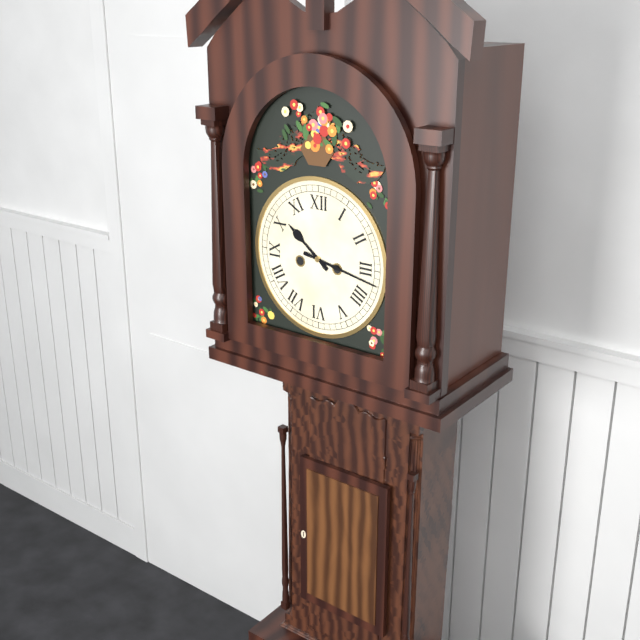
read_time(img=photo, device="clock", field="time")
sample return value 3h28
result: 10h17
